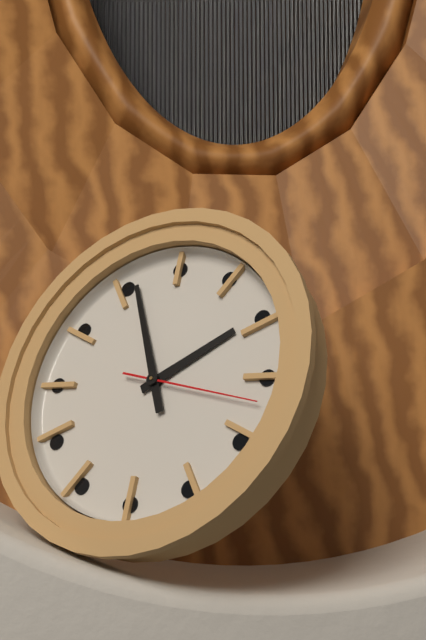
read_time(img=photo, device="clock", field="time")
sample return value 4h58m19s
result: 1h56m17s
